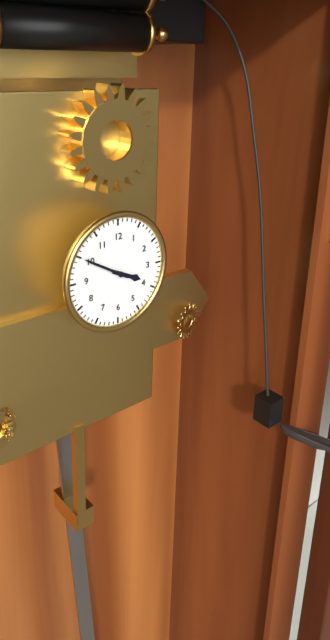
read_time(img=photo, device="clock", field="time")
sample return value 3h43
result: 3h50
